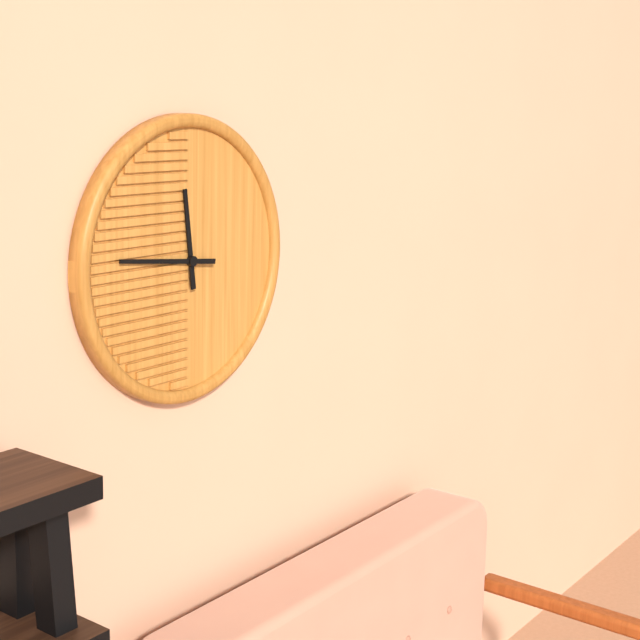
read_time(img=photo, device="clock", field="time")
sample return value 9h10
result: 11h46
